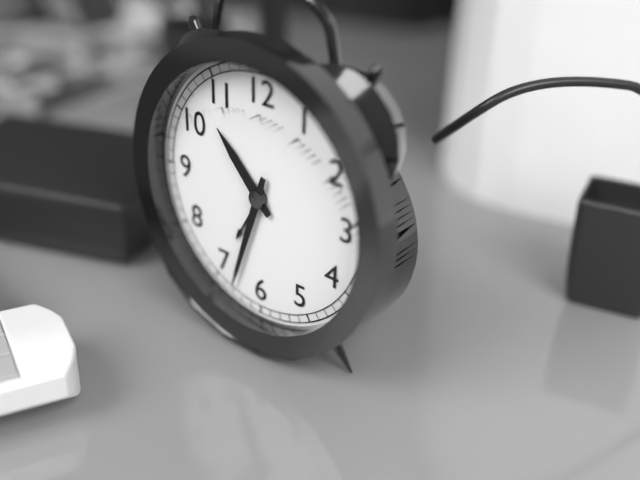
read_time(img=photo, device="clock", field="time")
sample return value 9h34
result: 10h33
